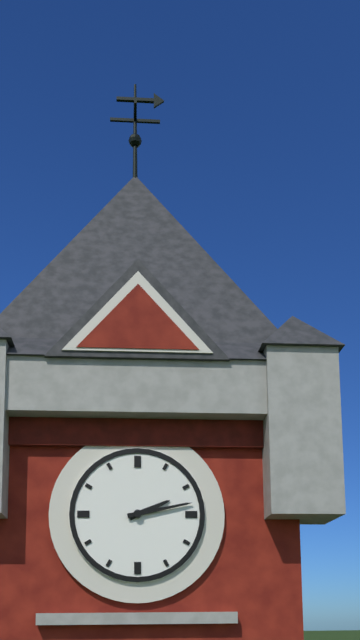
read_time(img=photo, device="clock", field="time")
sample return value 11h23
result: 2h13
